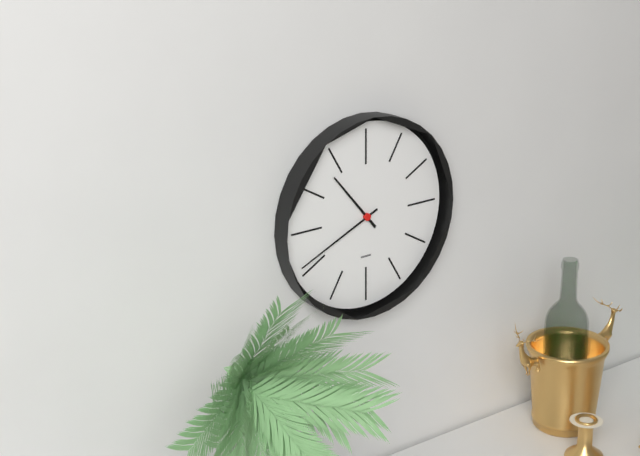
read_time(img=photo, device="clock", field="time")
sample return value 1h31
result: 10h41
